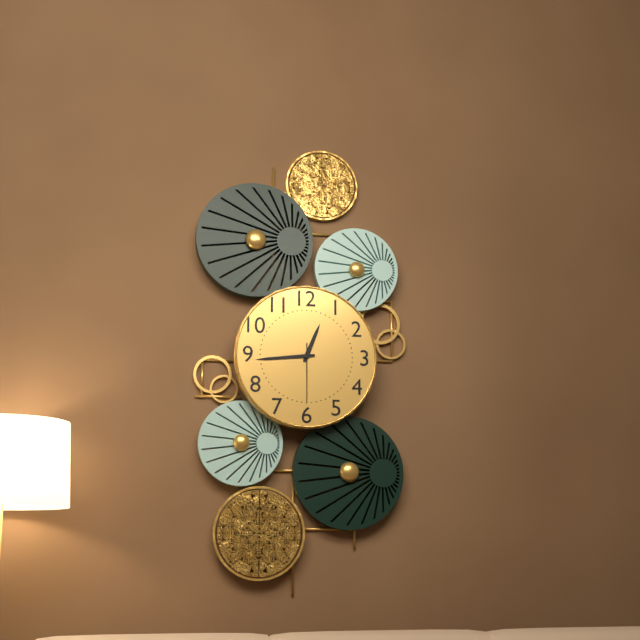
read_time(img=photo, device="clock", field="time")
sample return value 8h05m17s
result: 12h44m30s
